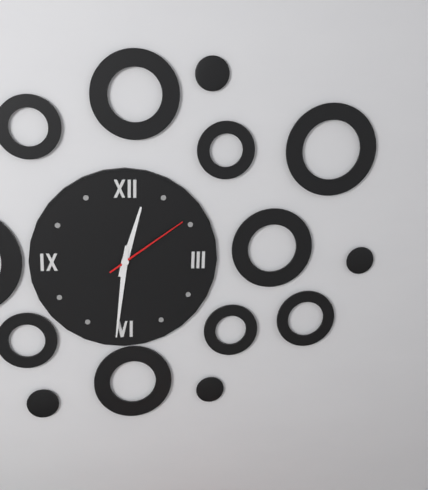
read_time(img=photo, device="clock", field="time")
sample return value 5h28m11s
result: 12h31m09s
